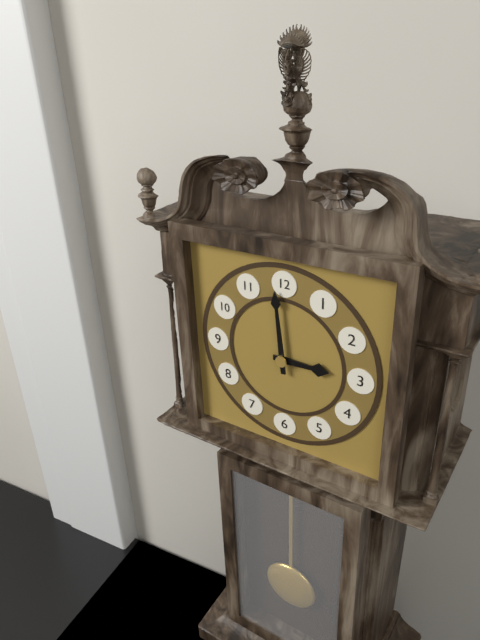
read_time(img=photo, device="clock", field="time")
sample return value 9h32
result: 2h59
